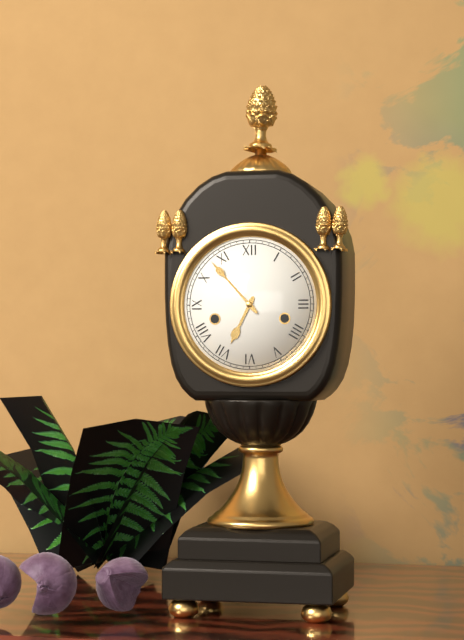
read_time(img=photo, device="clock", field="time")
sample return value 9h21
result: 6h53
